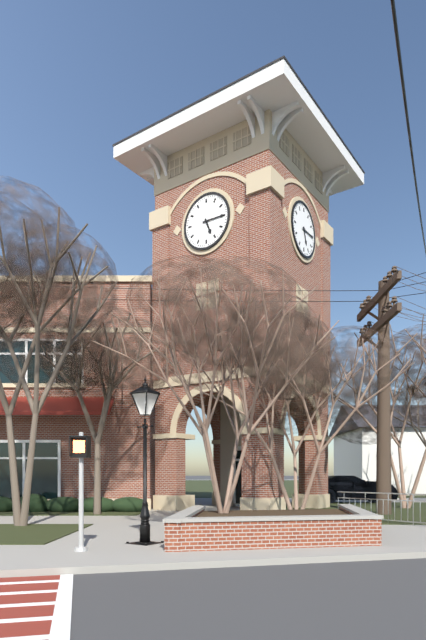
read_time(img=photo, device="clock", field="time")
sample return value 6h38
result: 5h15
